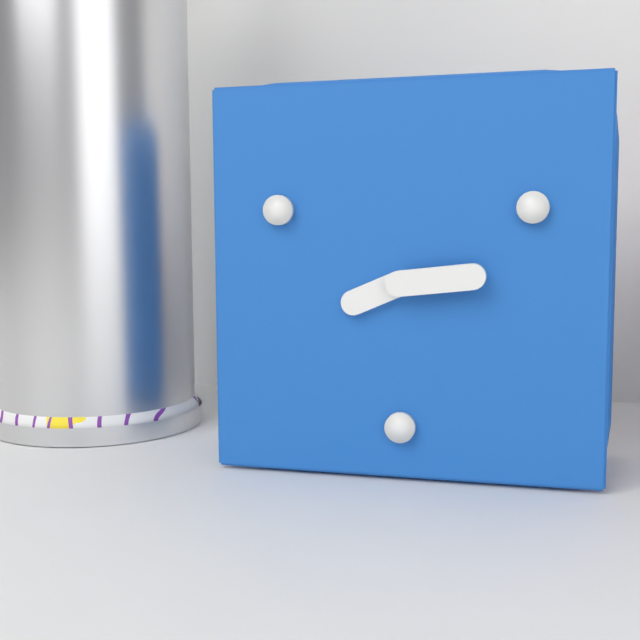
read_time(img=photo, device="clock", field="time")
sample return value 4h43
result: 8h14
